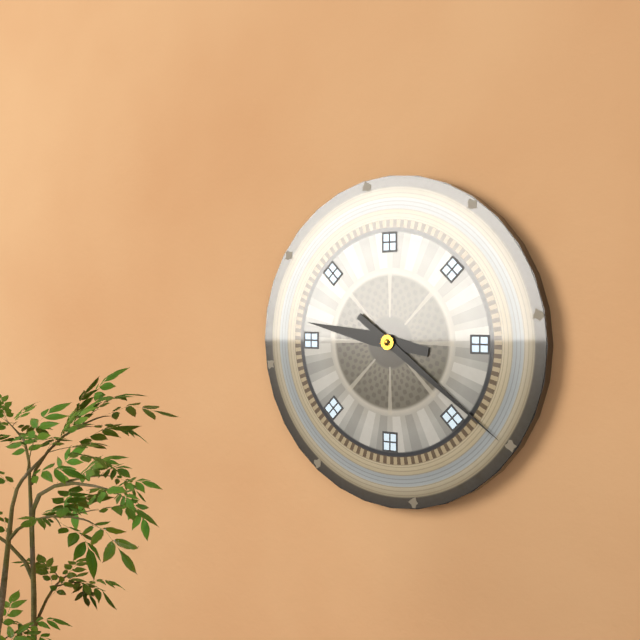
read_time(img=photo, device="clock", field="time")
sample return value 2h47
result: 9h21
